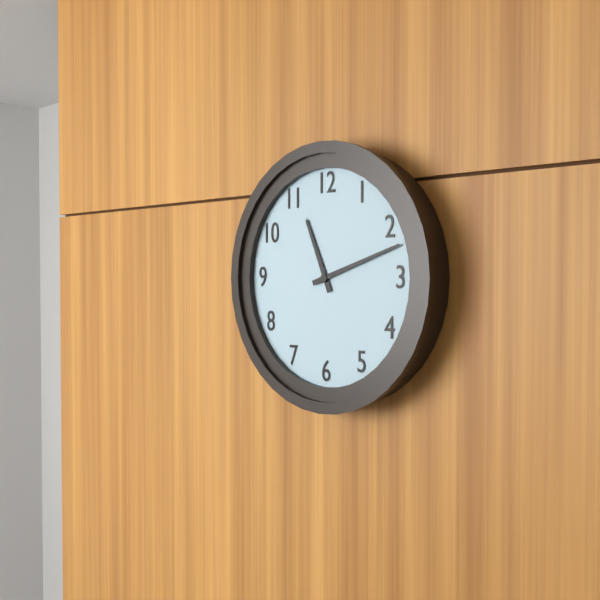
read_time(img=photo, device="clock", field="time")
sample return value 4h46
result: 11h12
